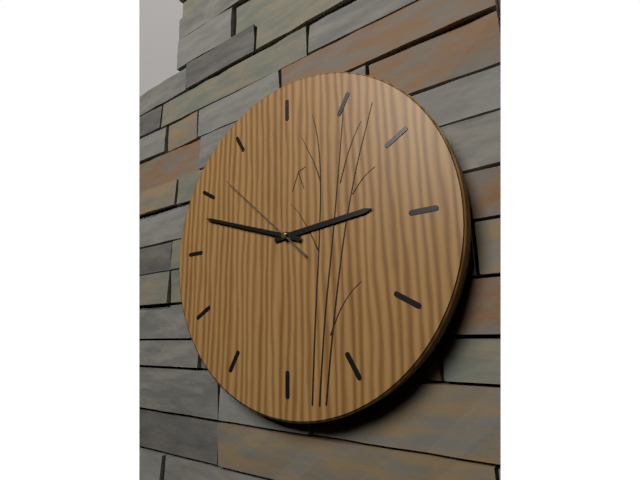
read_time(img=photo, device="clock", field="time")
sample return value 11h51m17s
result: 2h48m52s
